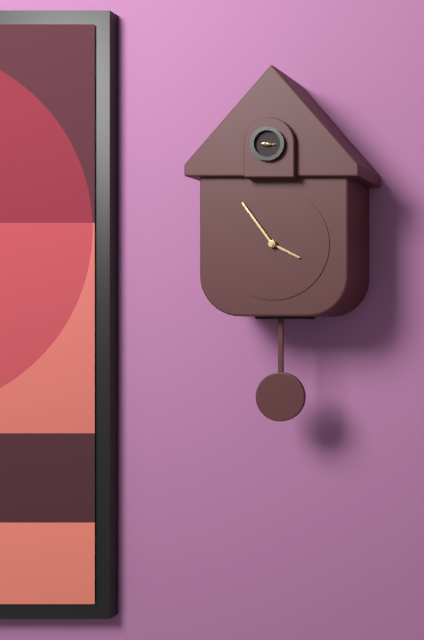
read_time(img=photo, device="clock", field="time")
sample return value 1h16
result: 3h54
